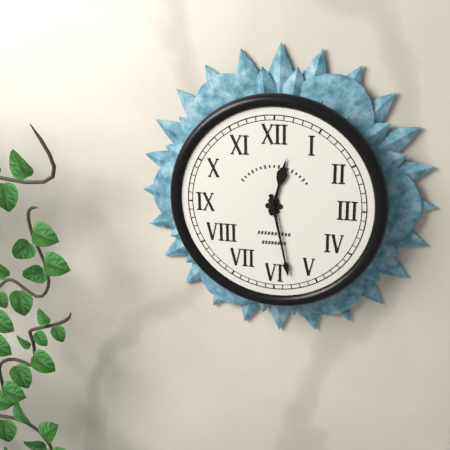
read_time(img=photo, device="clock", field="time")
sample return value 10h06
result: 12h28
